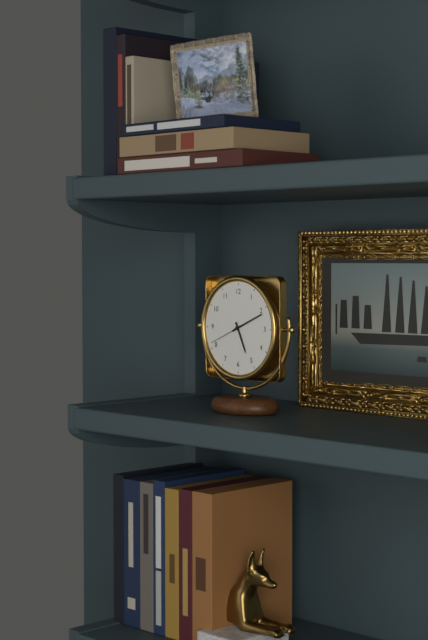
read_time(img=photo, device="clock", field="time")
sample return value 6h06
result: 5h11
